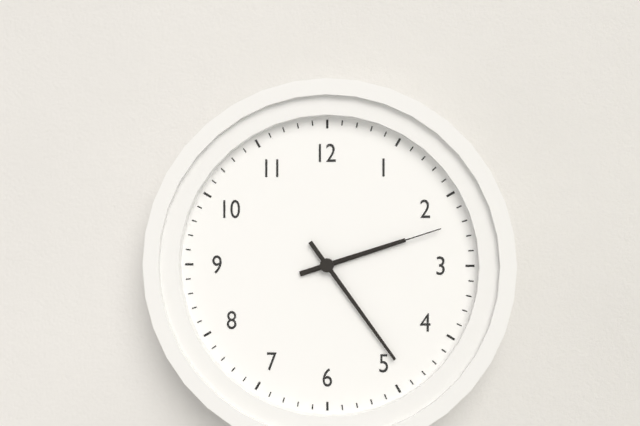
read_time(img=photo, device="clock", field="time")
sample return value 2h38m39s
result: 2h24m12s
